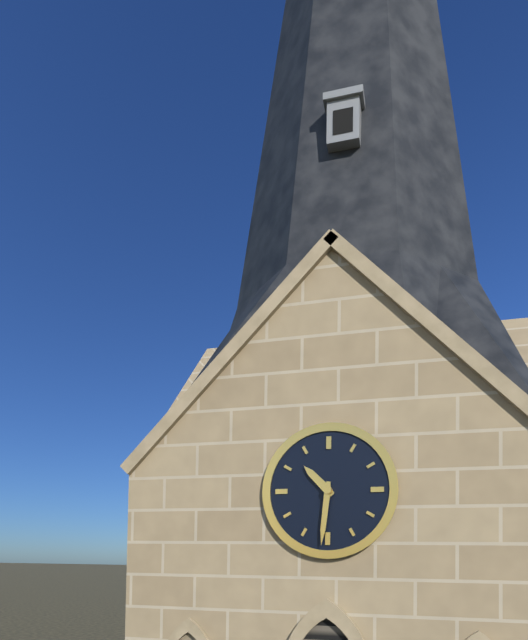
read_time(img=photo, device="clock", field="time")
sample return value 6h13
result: 10h31
